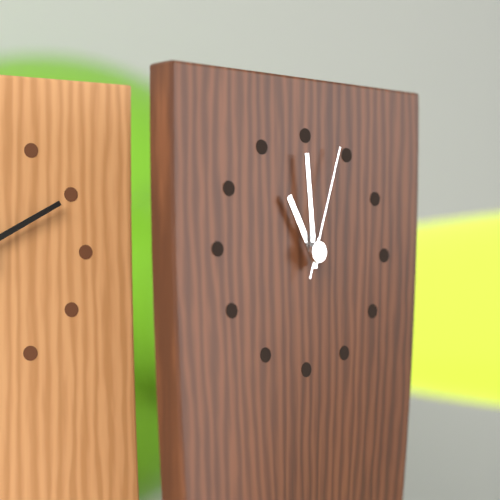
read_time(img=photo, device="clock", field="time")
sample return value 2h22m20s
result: 10h59m03s
